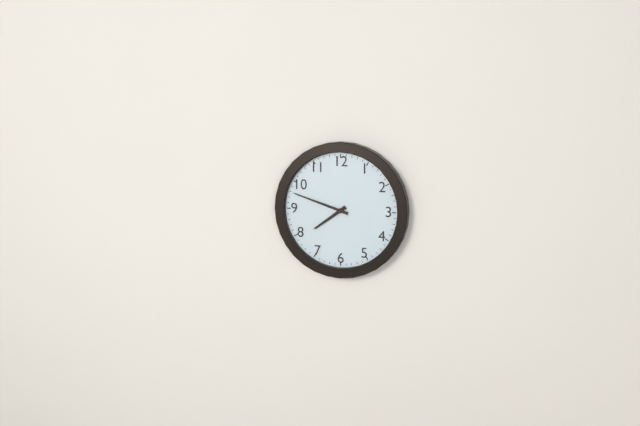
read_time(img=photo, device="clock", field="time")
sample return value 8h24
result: 7h48
